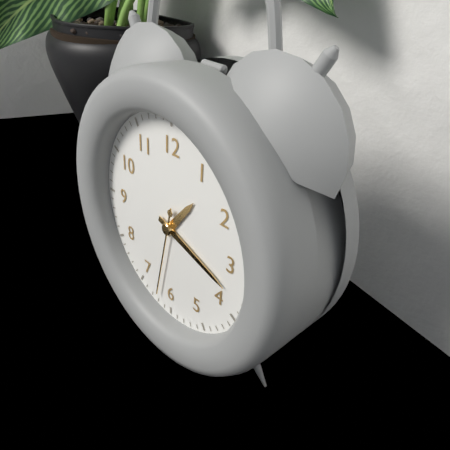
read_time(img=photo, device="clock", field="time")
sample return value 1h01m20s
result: 1h18m32s
